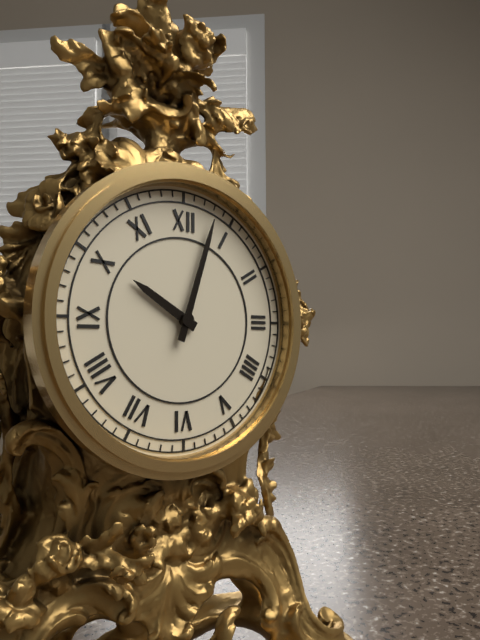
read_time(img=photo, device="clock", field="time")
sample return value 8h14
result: 10h03
